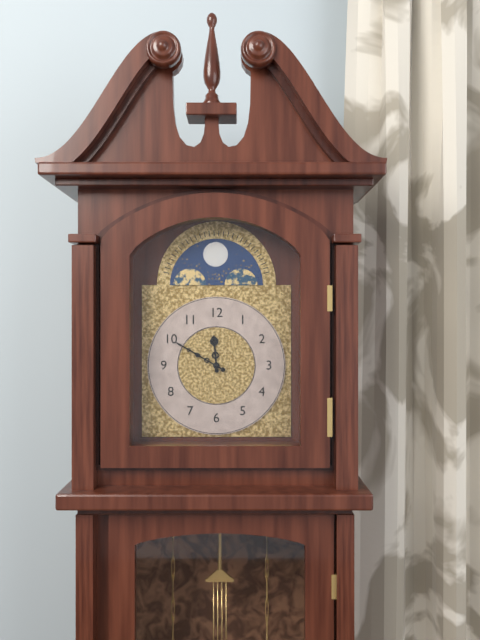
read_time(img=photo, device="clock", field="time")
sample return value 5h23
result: 11h50
